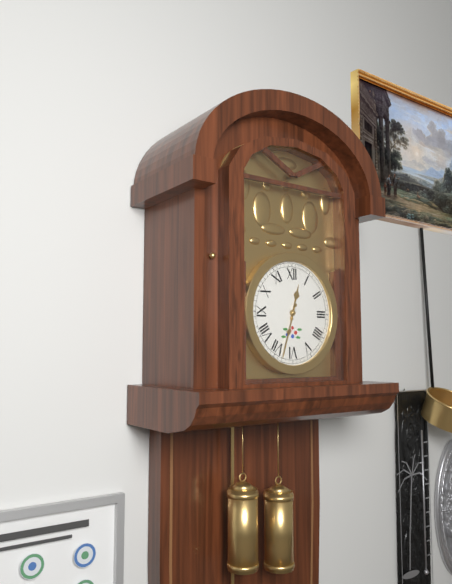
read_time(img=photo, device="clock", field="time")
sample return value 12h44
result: 12h33
